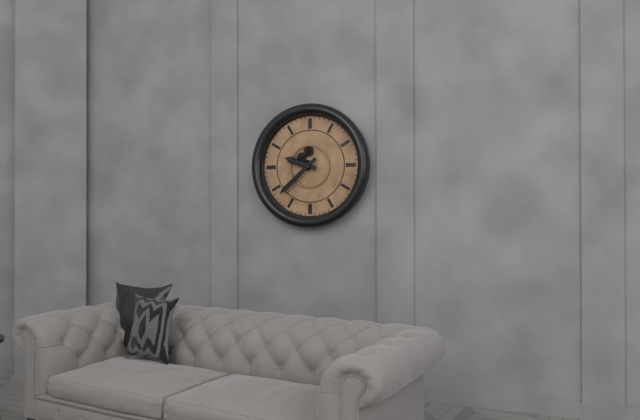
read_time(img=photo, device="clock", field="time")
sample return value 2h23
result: 9h38
